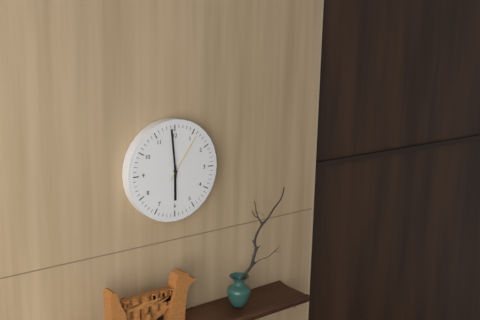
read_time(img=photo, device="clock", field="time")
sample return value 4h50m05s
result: 5h59m06s
